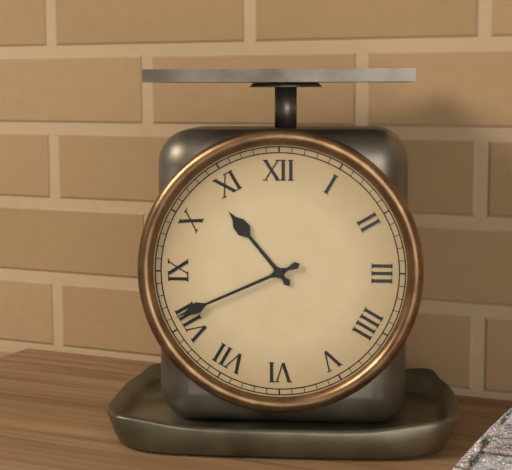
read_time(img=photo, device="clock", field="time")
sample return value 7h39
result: 10h41
